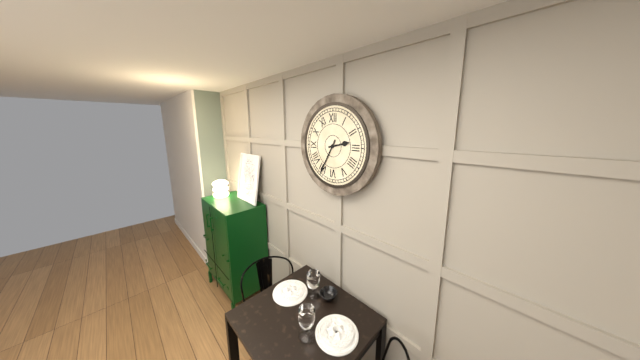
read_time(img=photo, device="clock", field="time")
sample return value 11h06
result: 2h35
